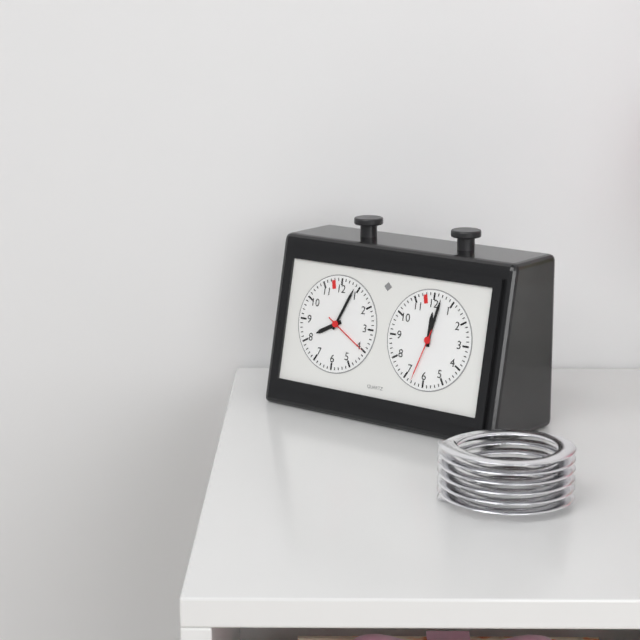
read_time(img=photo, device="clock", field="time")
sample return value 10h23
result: 8h04
